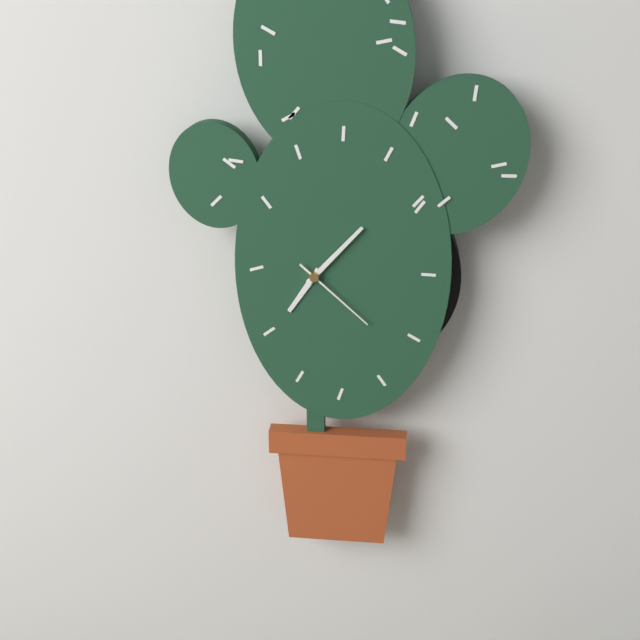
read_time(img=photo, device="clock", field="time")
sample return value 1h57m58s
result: 7h07m22s
